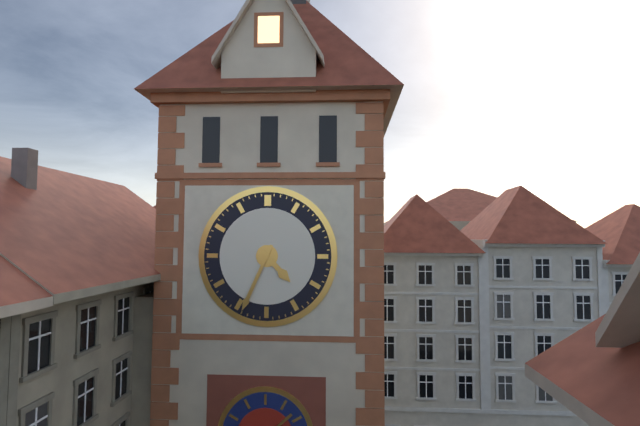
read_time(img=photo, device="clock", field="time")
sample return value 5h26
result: 4h34
